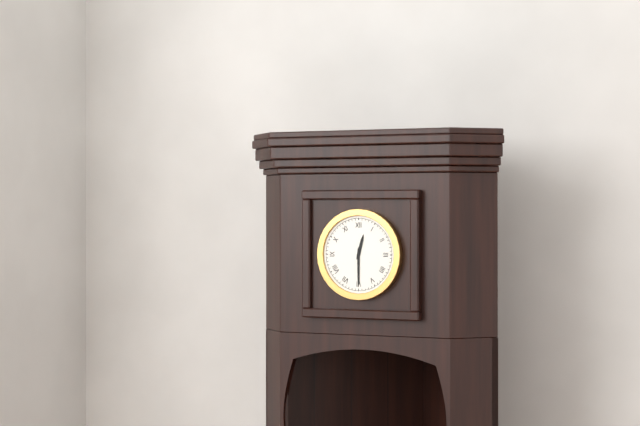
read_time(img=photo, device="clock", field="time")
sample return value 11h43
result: 12h30
